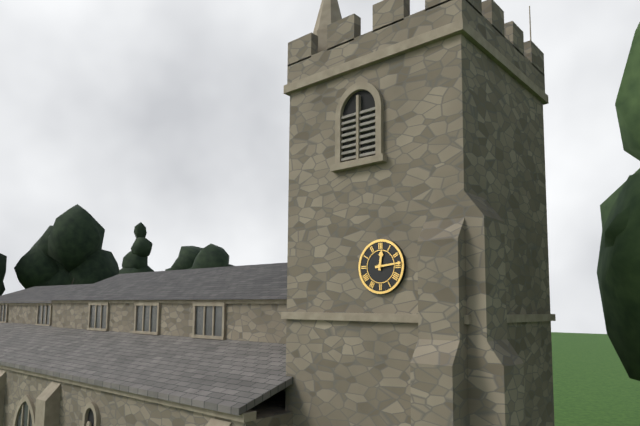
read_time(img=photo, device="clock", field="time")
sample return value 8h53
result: 12h14
